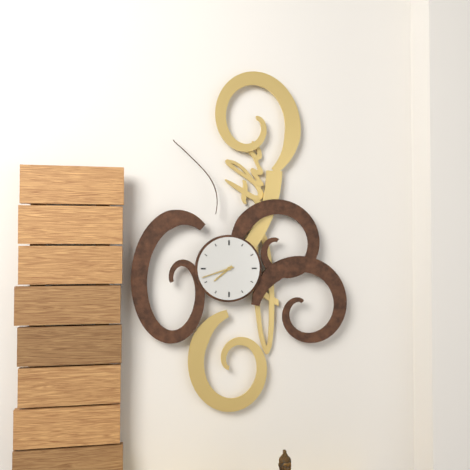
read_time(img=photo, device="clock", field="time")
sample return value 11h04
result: 7h42
